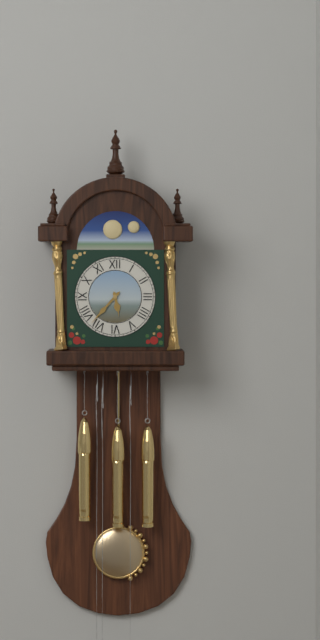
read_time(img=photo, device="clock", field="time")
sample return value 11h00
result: 5h37
